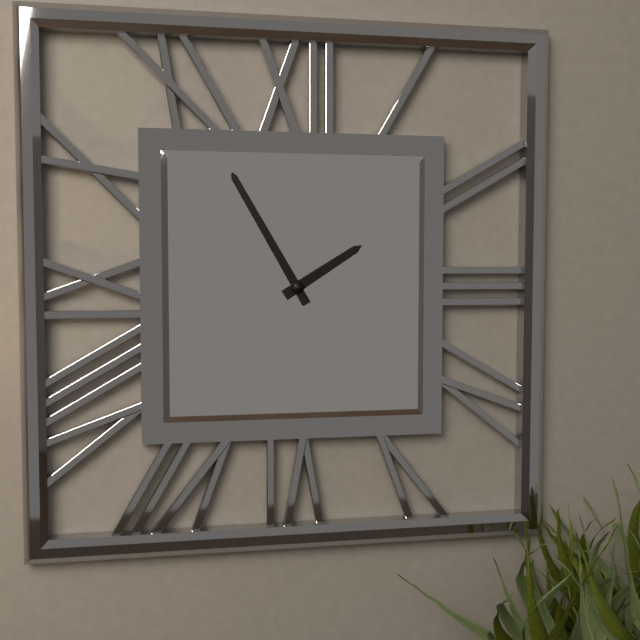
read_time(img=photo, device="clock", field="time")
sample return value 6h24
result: 1h55
